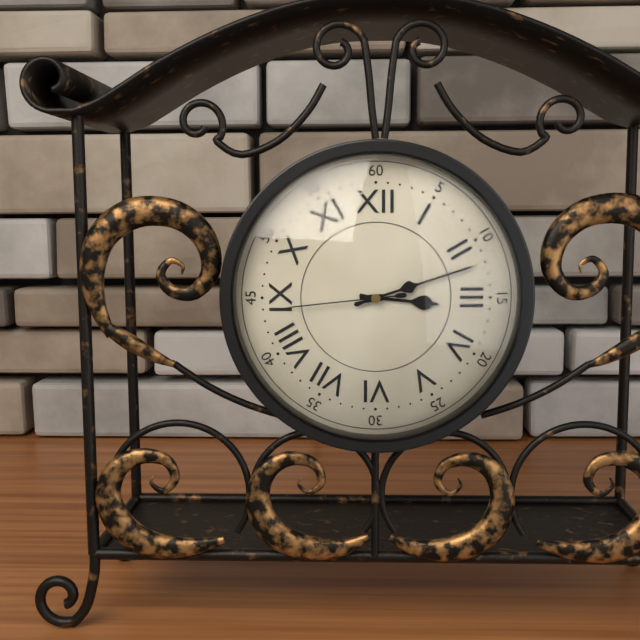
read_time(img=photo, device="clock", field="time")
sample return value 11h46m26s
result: 3h12m44s
